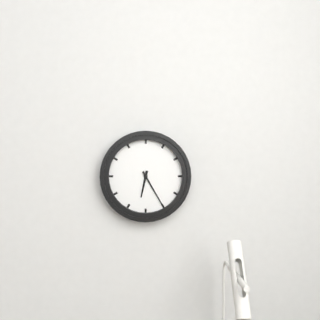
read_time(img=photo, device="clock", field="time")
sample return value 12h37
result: 6h25
